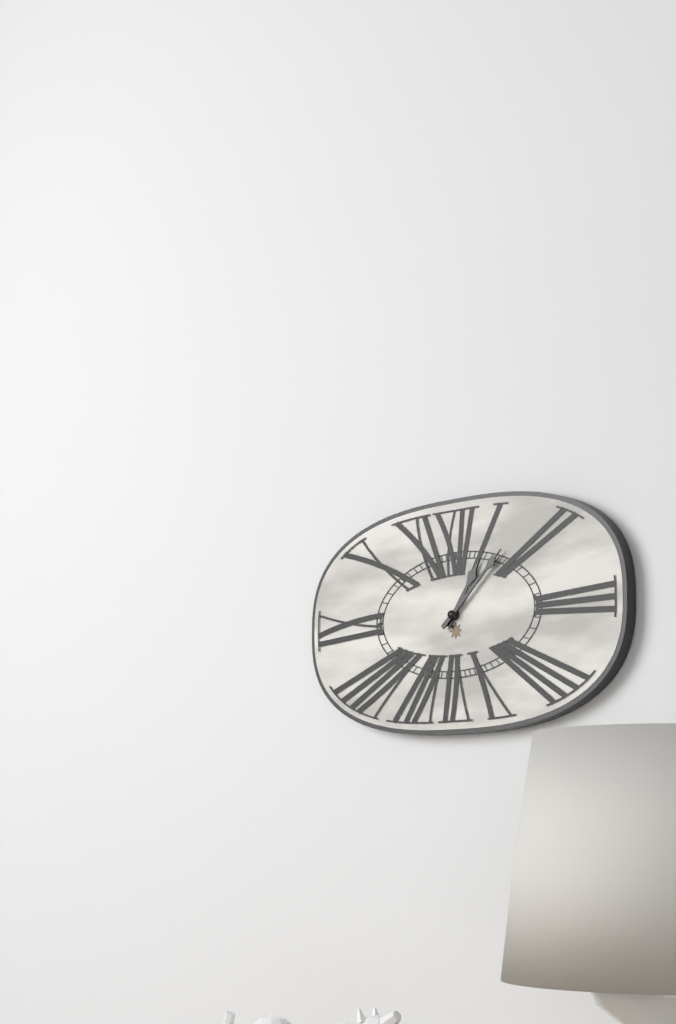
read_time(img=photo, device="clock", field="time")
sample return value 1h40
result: 1h08
